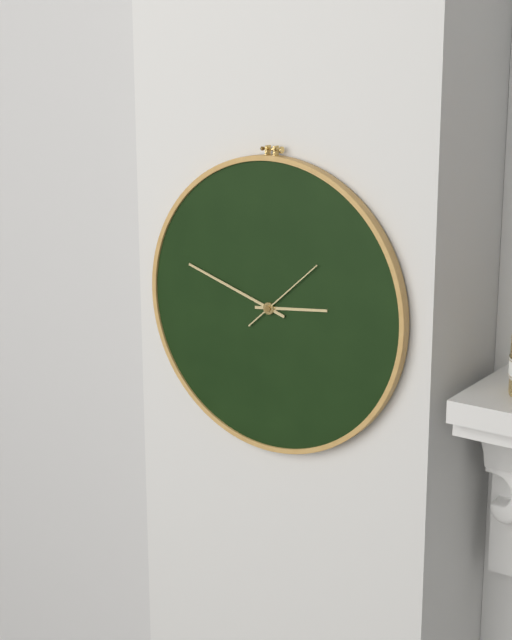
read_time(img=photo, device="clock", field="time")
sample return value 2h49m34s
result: 2h48m08s
